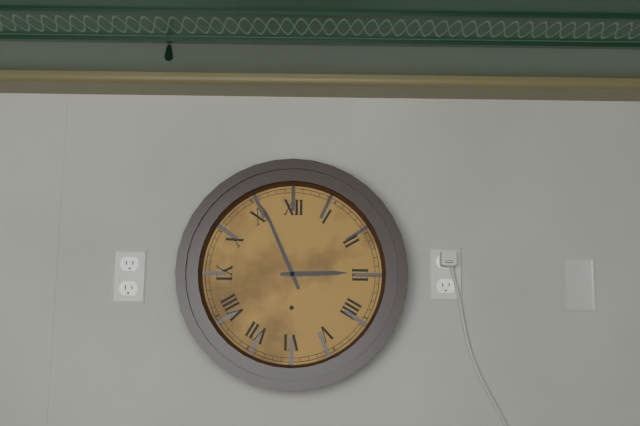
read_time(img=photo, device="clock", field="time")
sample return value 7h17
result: 2h56
